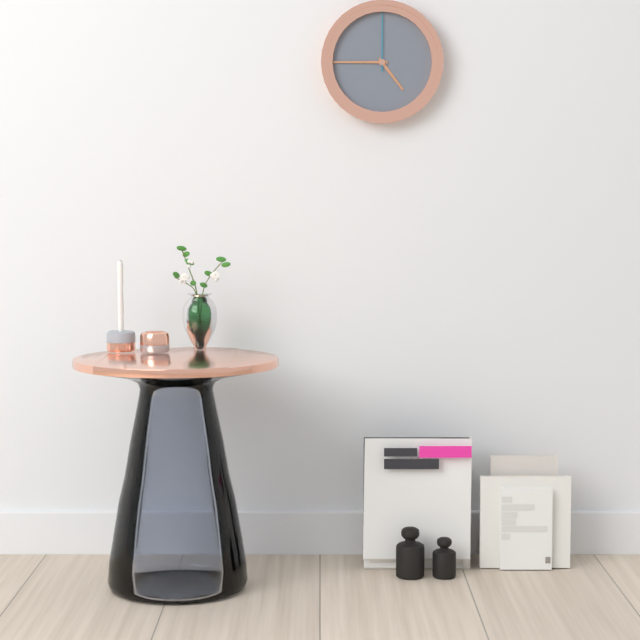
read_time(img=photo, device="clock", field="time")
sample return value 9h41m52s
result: 4h45m00s
